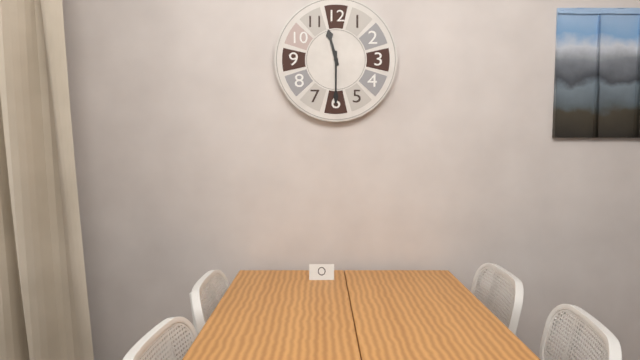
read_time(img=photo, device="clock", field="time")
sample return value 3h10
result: 11h30
